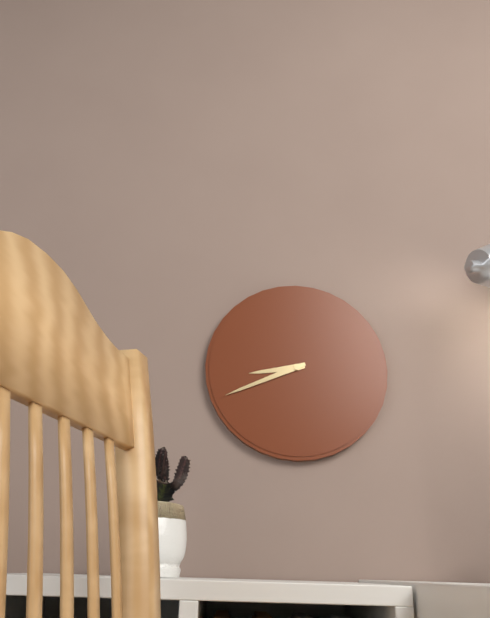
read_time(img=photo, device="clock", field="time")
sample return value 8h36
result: 8h41
